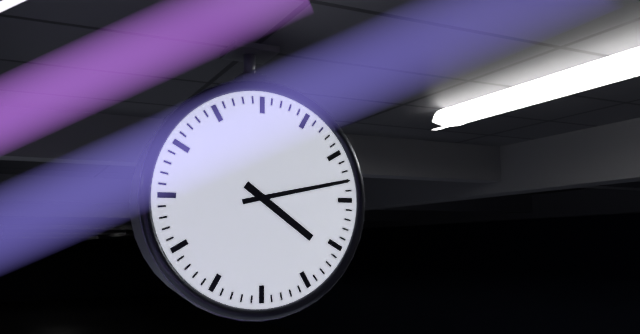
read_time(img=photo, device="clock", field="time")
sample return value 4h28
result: 4h13
